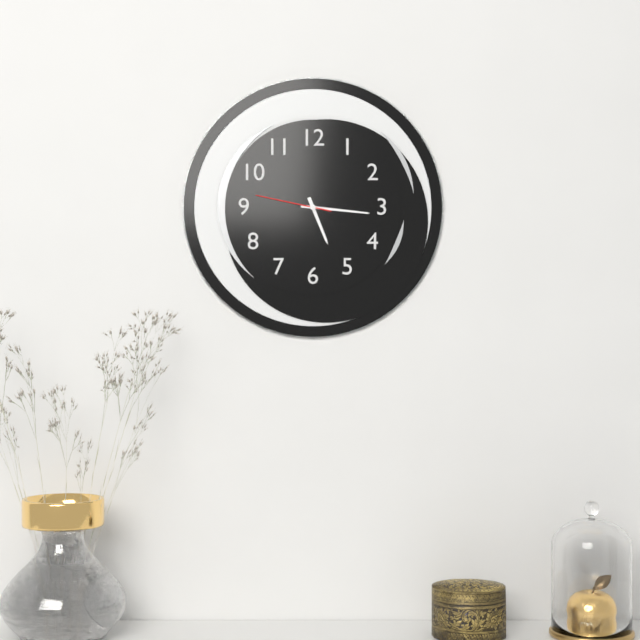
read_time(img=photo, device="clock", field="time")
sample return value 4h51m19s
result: 5h16m47s
